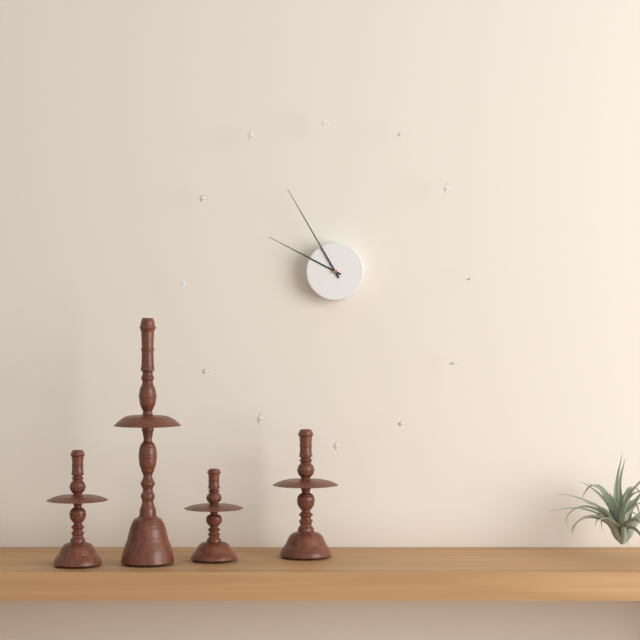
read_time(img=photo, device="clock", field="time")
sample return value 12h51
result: 9h55
